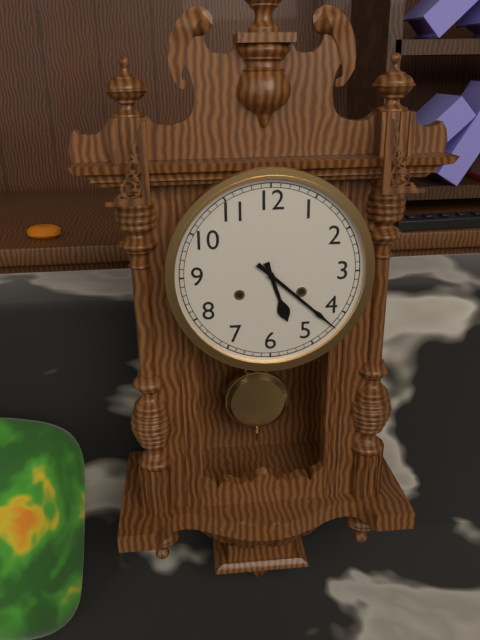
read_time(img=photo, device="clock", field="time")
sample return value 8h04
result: 5h22
